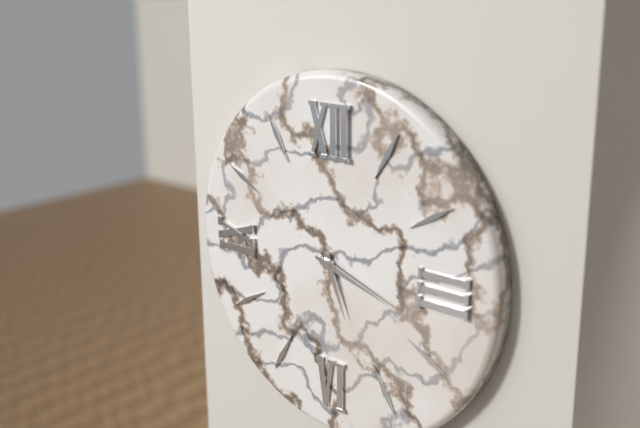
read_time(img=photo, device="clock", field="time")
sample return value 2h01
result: 5h18
